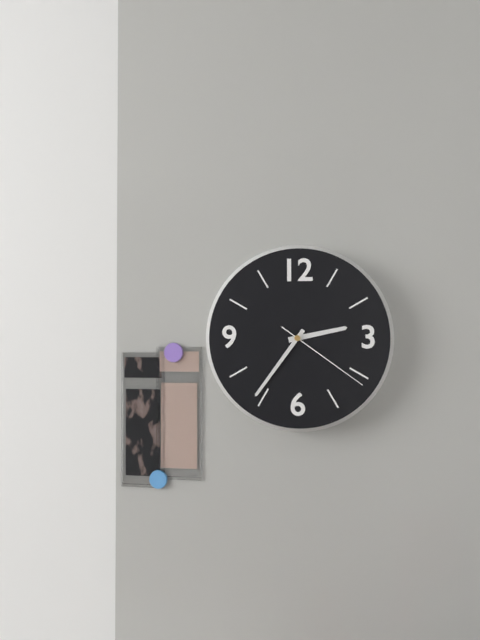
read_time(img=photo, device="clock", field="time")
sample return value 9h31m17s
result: 2h36m21s
